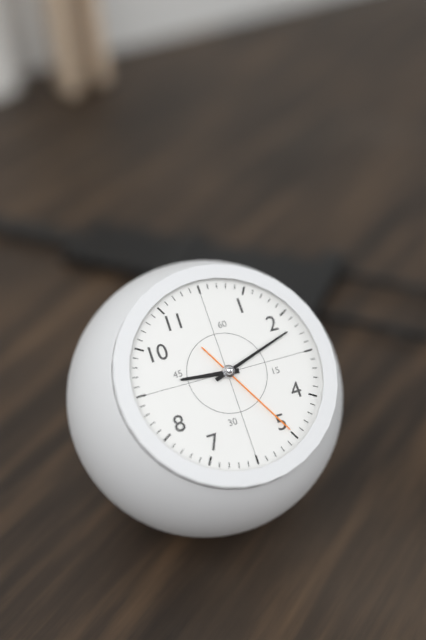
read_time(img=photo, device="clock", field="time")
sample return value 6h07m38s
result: 9h12m25s
